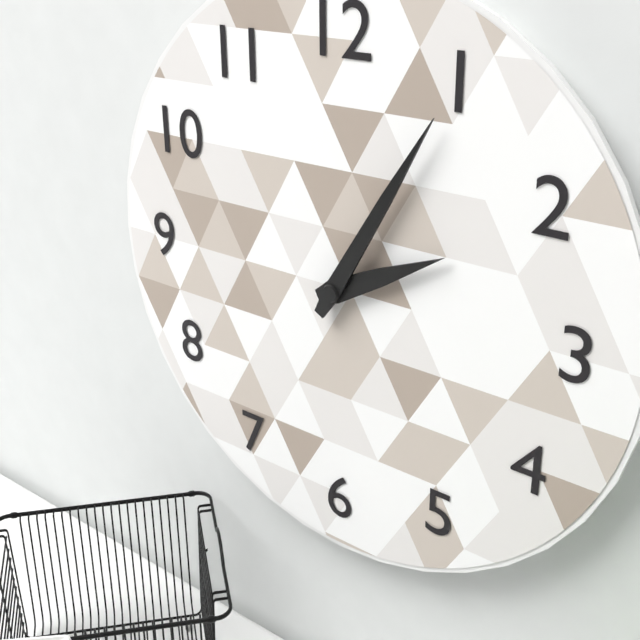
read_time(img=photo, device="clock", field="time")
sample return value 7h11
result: 2h05
